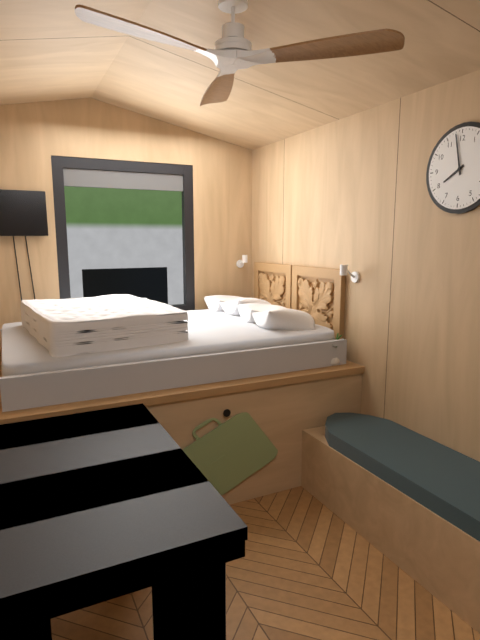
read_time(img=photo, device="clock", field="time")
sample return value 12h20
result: 7h58
